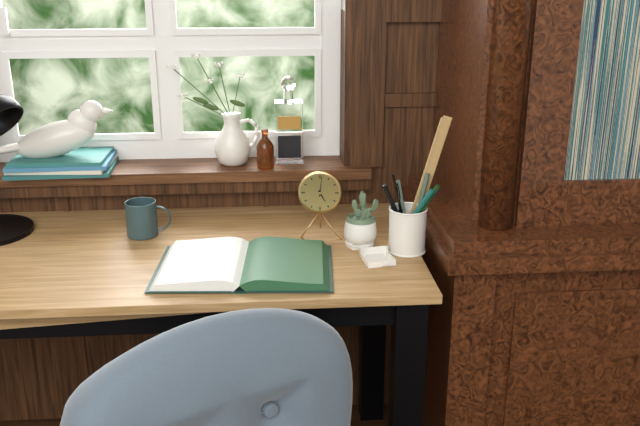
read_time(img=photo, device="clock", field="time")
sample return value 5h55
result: 5h01
